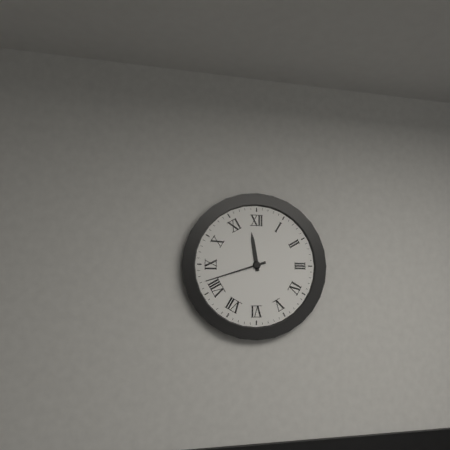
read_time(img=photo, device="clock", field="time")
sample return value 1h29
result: 11h42
